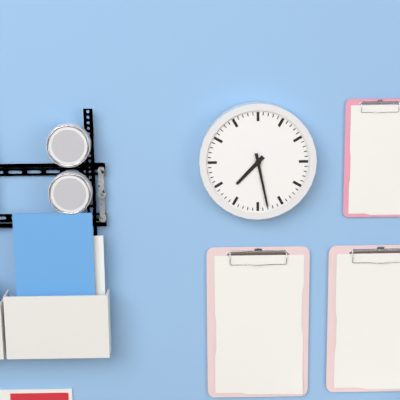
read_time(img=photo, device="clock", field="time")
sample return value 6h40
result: 7h28
